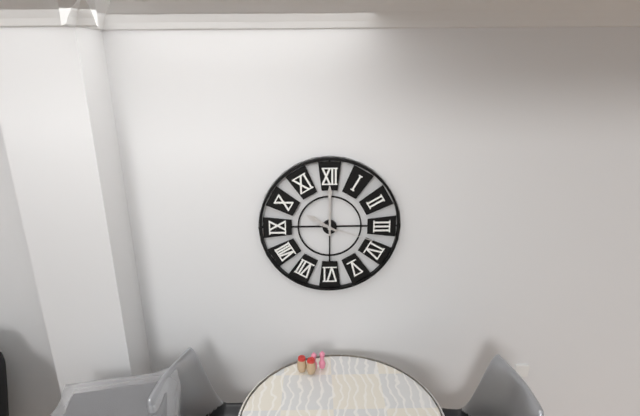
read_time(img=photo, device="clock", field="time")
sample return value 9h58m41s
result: 10h00m18s
